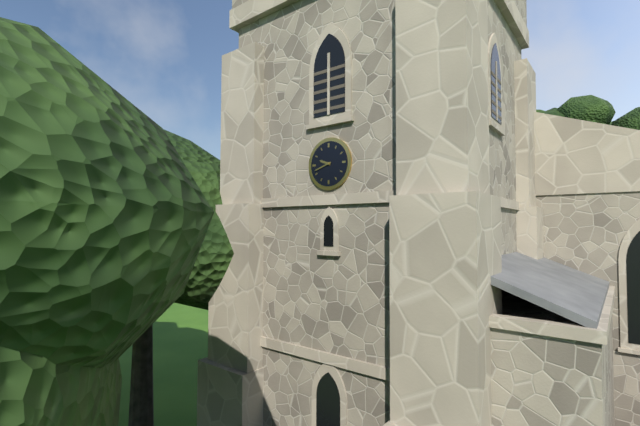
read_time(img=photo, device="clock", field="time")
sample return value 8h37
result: 9h42
